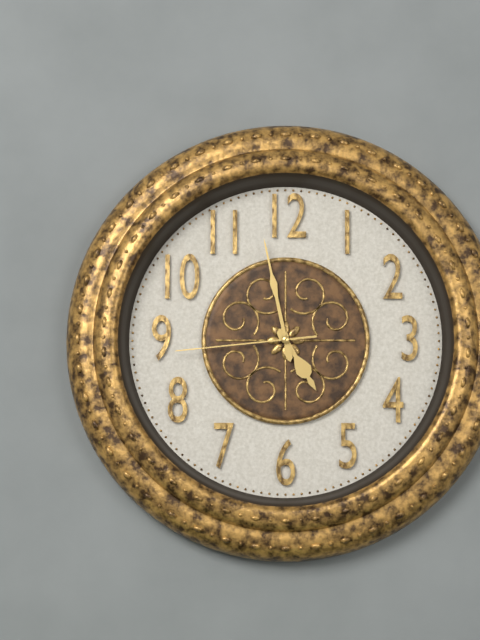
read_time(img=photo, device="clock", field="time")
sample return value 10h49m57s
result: 4h58m44s
